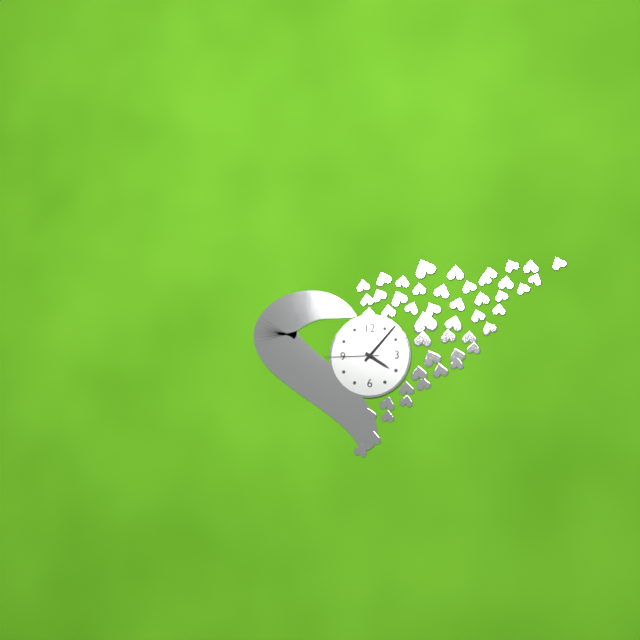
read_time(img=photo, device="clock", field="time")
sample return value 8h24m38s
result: 4h07m45s
